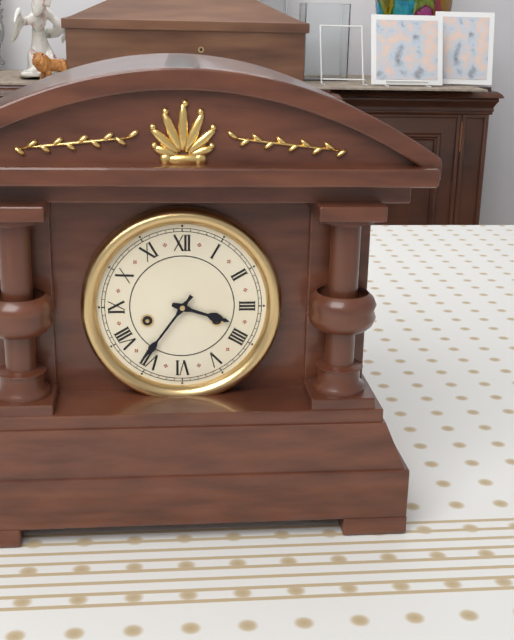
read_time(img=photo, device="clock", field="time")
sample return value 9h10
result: 3h36
